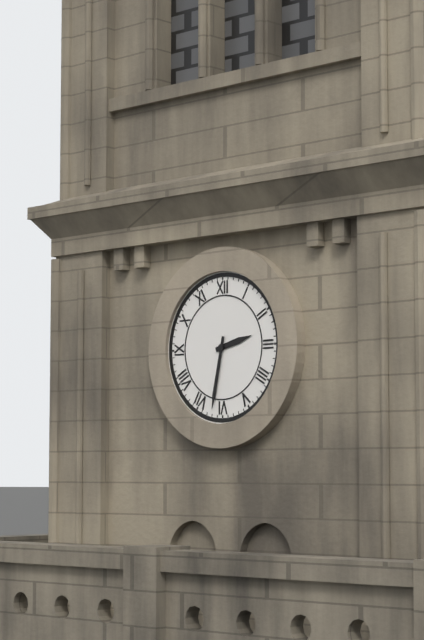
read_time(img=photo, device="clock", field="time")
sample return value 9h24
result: 2h32
